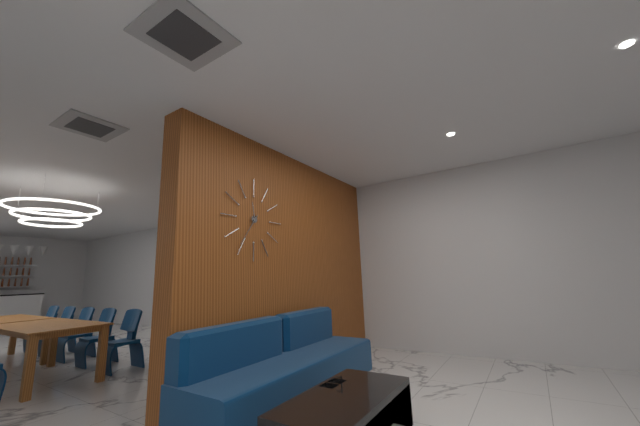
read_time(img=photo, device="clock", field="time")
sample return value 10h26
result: 11h36
